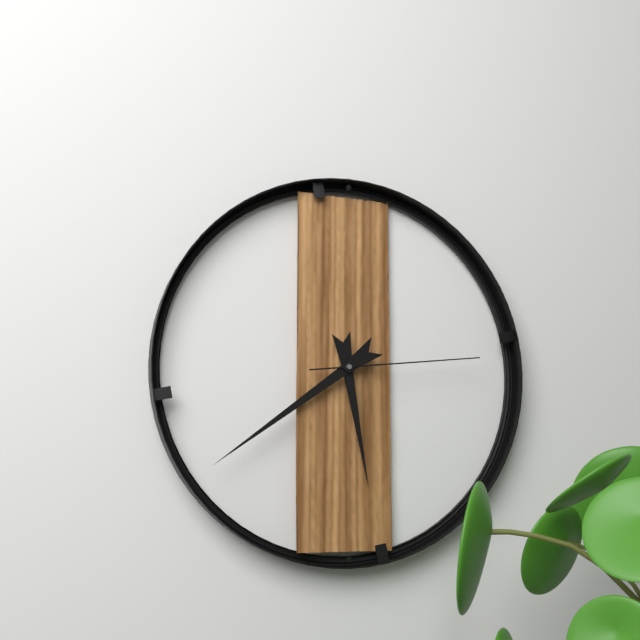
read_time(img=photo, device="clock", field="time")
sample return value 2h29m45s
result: 5h39m14s
